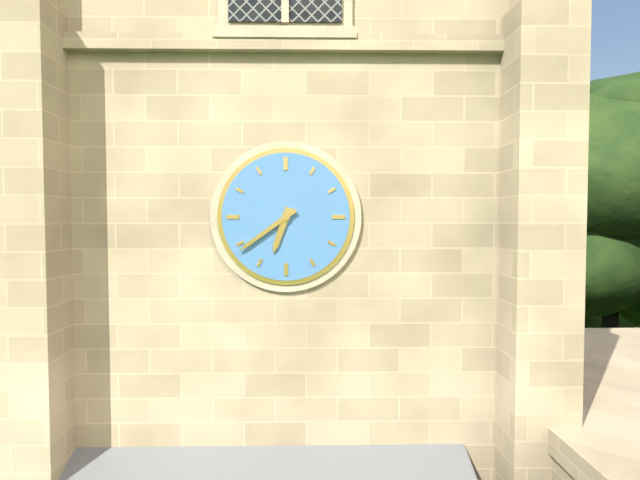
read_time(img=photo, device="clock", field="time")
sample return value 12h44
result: 6h39
